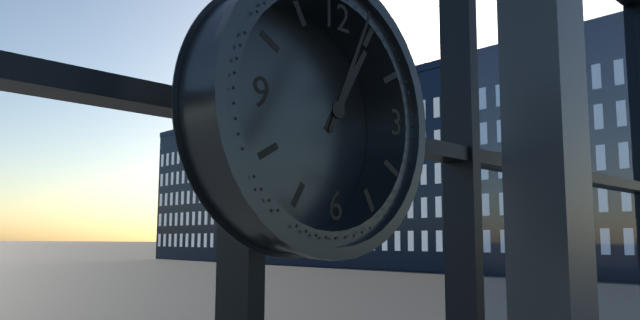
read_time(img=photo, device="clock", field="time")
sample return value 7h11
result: 1h04
